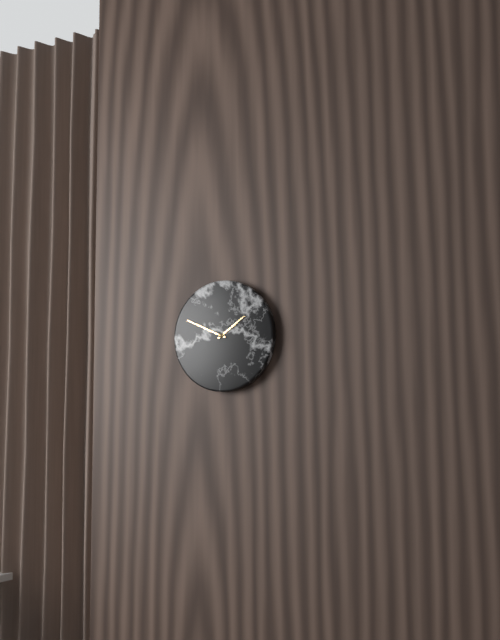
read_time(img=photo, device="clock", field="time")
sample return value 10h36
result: 1h49
